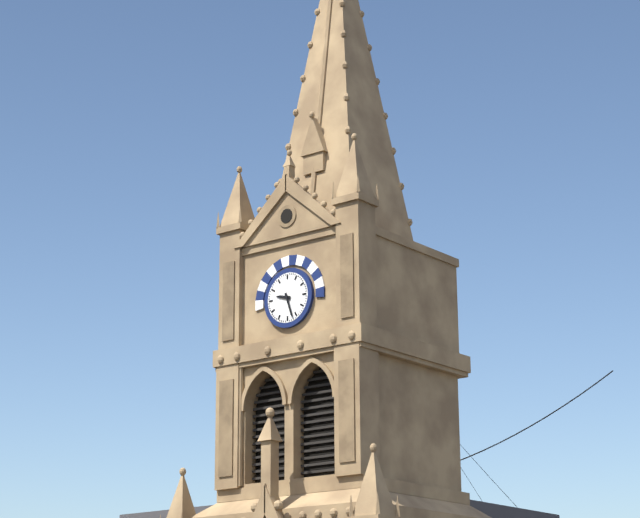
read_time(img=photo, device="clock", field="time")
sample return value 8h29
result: 9h27
